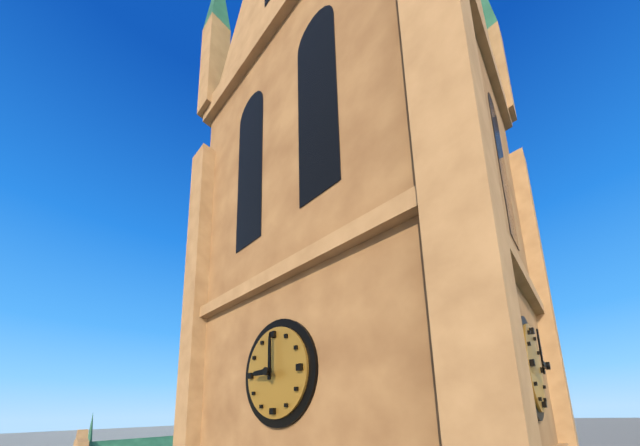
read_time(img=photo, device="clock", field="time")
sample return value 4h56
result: 9h00
